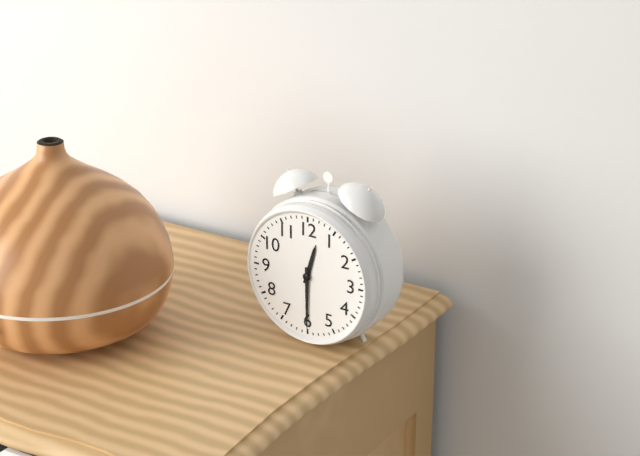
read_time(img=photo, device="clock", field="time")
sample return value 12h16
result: 12h30
